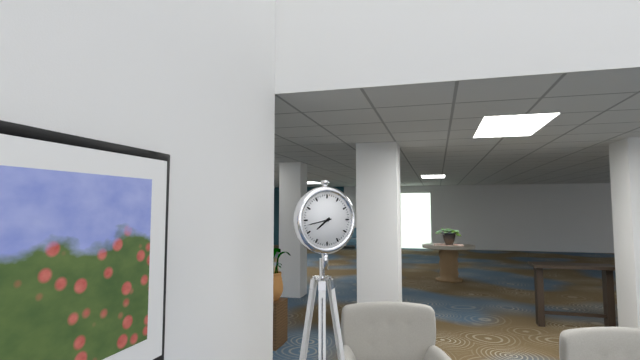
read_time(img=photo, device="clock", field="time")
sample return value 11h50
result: 7h43
